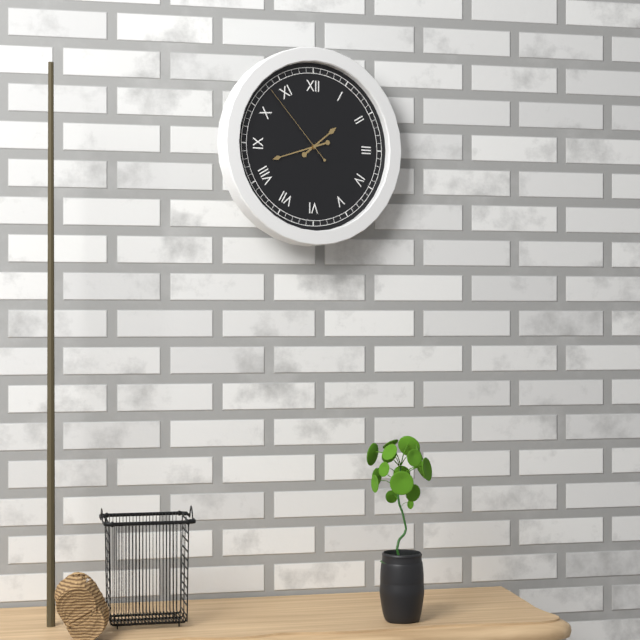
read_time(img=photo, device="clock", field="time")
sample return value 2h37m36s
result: 1h42m53s
